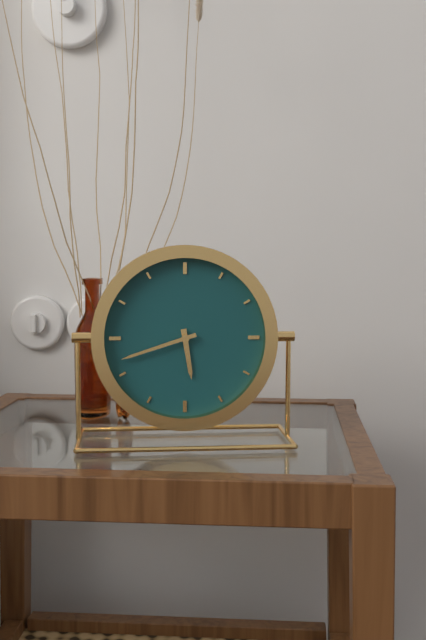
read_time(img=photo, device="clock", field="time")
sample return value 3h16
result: 5h42
